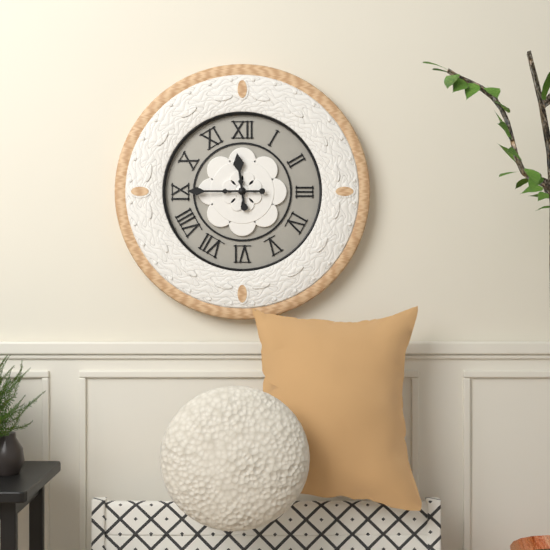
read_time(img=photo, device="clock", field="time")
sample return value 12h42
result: 11h45
